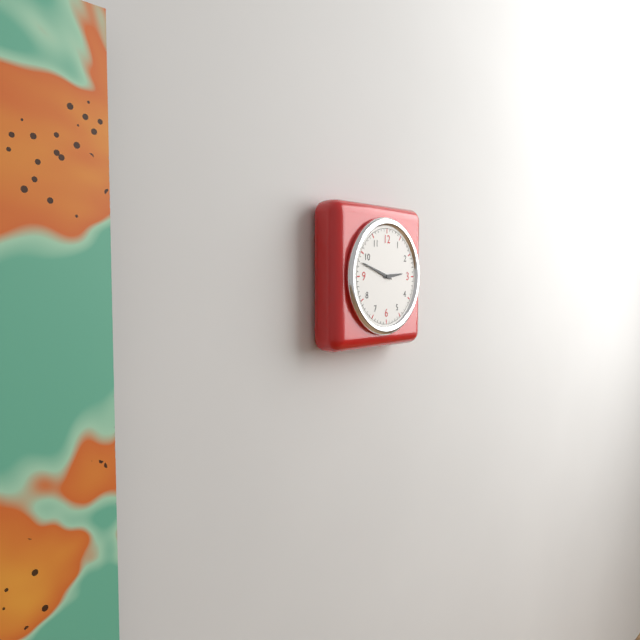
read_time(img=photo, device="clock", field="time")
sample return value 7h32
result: 2h48
